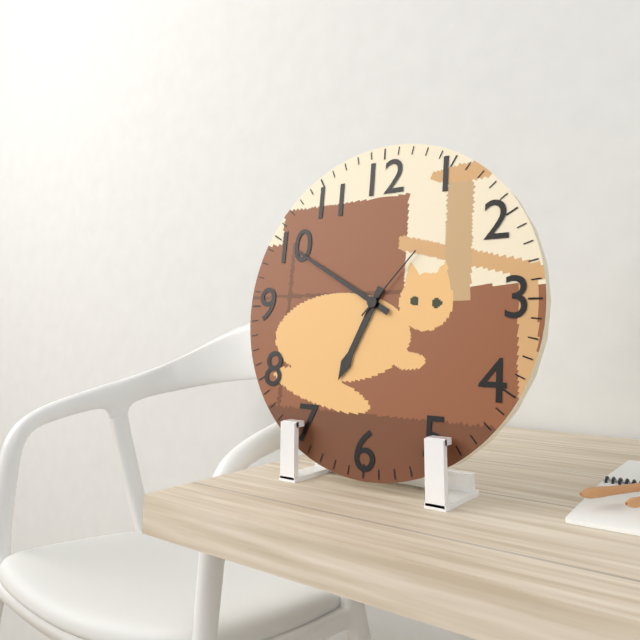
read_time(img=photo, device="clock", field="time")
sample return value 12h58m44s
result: 6h50m07s
